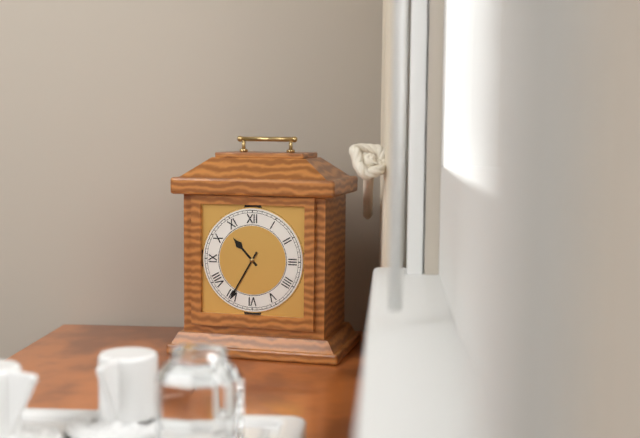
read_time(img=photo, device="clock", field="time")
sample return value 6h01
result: 10h35
